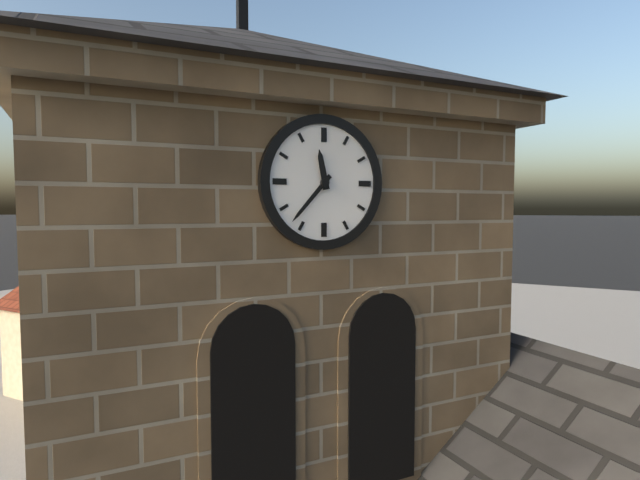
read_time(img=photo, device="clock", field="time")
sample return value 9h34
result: 11h37
